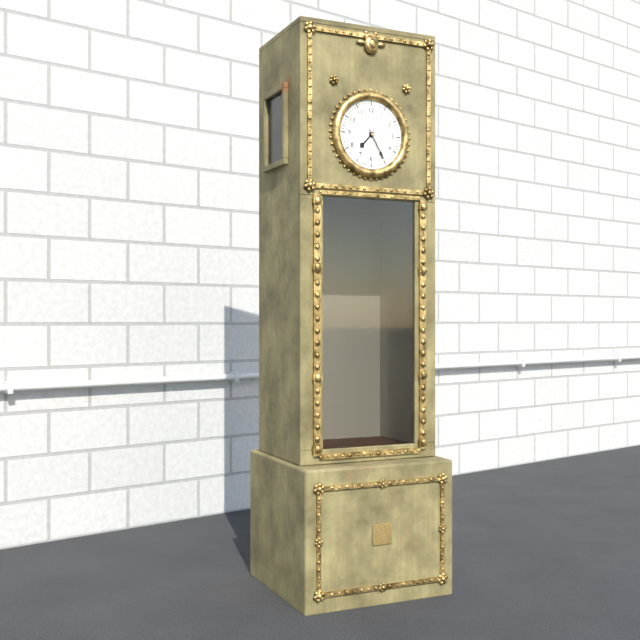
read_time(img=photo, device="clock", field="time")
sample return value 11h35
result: 7h25
